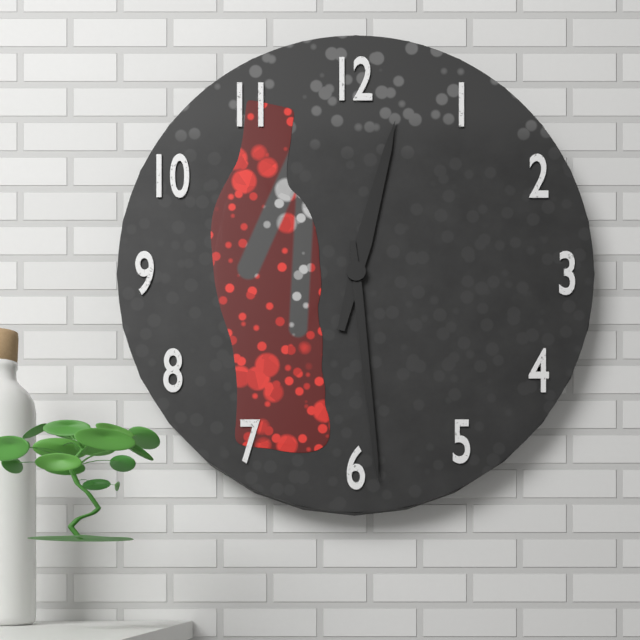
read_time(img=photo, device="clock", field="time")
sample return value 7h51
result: 12h29
